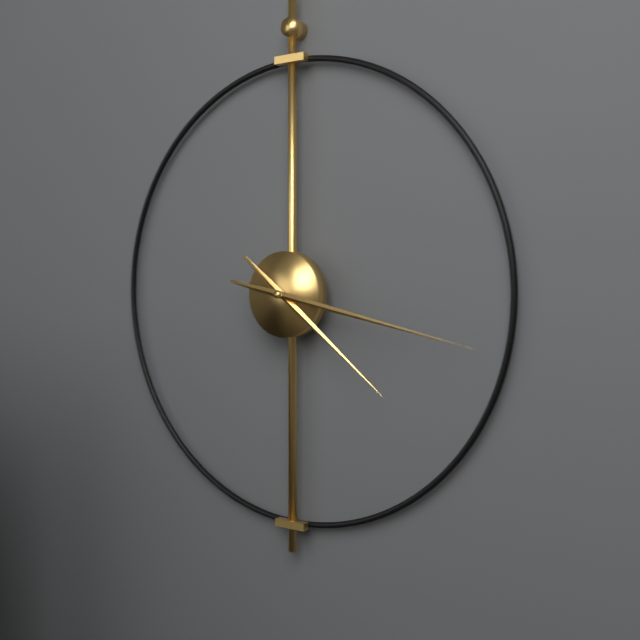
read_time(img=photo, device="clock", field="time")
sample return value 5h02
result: 4h17
